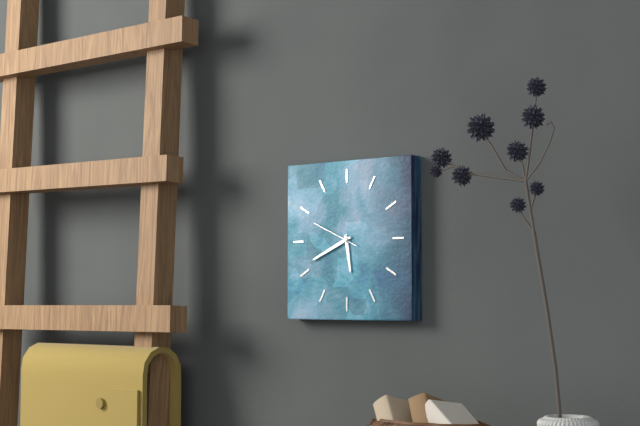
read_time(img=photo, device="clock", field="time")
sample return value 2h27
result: 5h41
